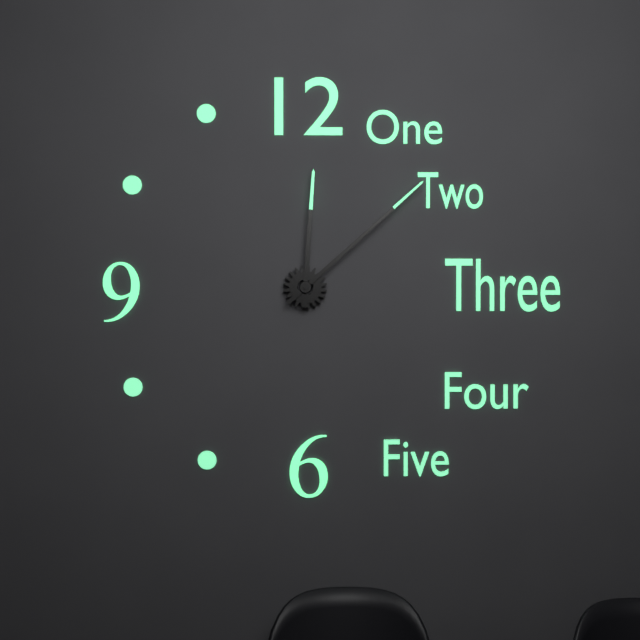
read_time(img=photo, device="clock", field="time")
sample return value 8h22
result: 12h08
